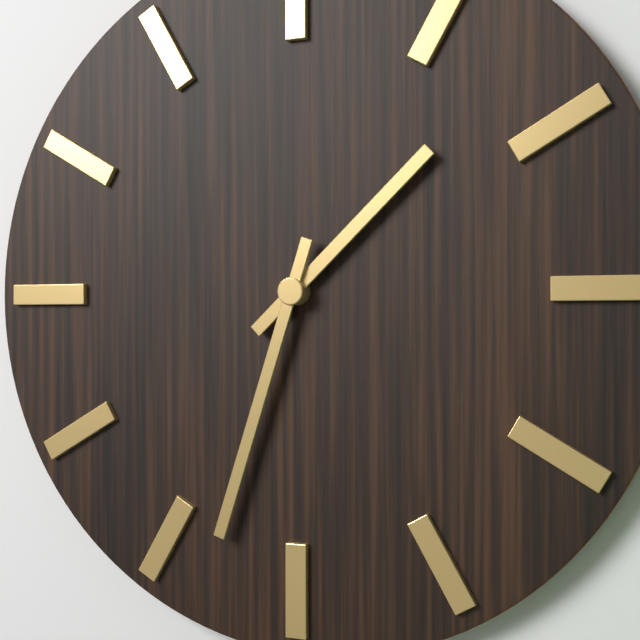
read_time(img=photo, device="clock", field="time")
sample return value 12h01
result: 1h33
